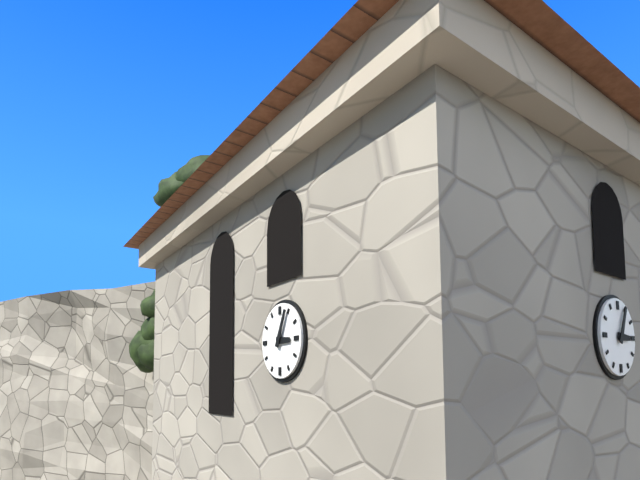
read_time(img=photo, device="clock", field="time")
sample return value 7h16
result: 3h04
